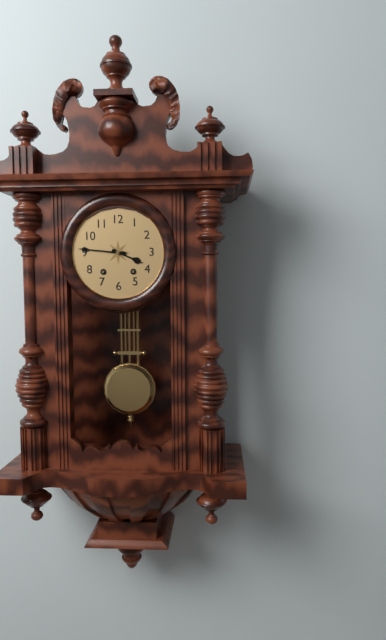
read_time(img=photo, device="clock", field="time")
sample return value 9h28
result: 3h46
